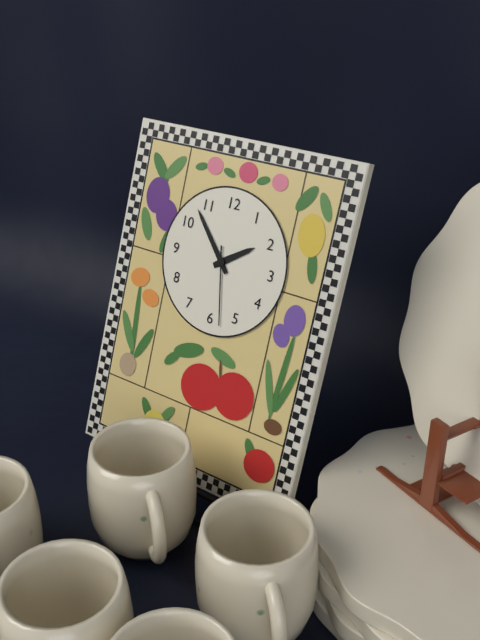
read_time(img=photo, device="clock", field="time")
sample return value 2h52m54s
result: 1h53m28s
